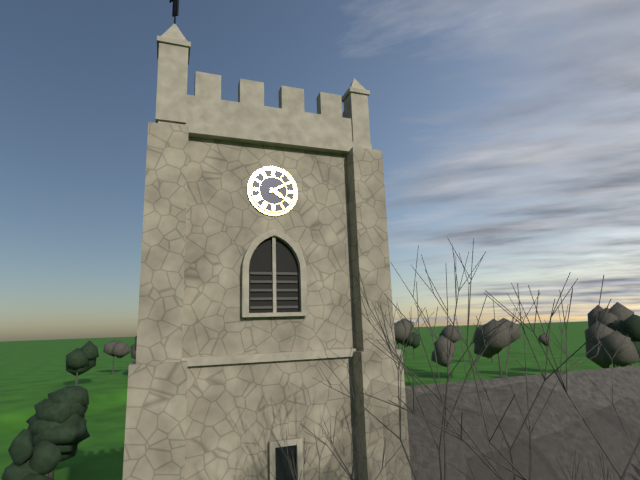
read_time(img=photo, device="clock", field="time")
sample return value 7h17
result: 4h10
